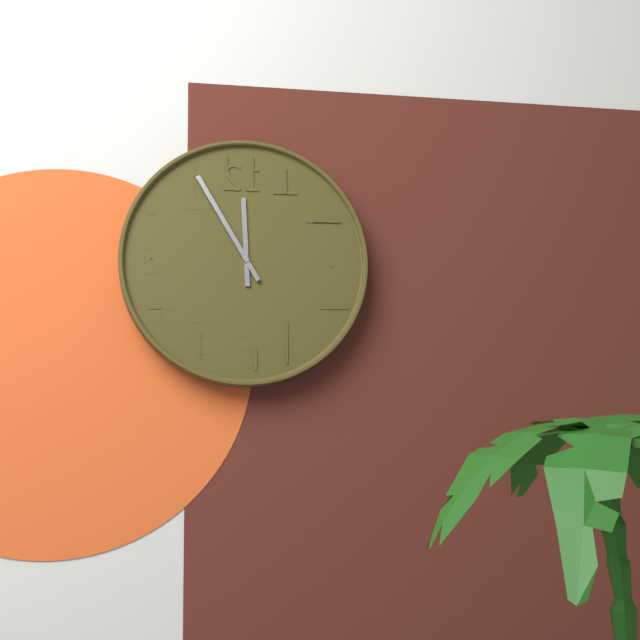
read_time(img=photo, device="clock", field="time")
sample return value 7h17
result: 11h55
